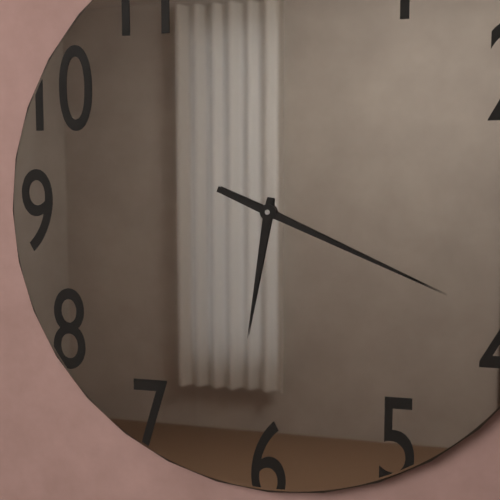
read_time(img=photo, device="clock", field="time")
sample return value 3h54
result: 6h19
